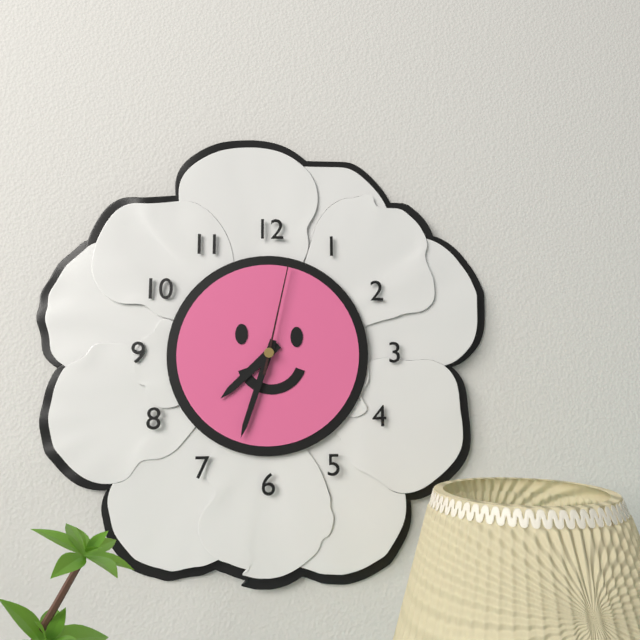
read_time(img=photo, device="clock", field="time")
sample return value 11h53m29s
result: 7h33m02s
